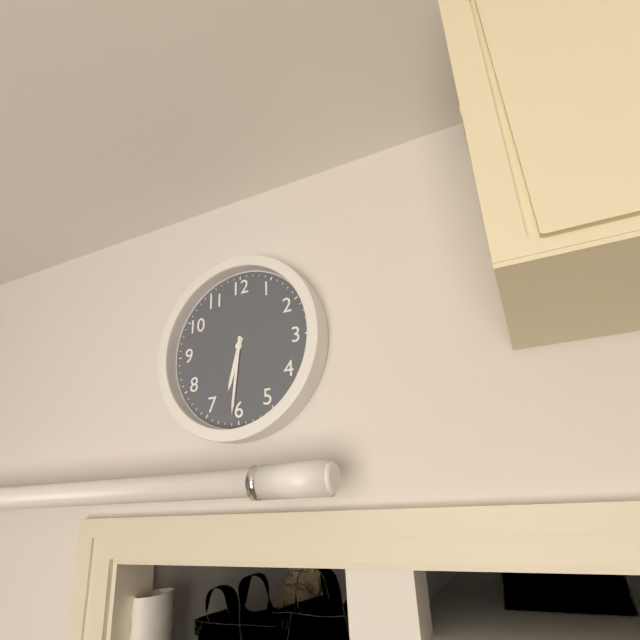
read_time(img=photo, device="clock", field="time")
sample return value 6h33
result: 6h31
